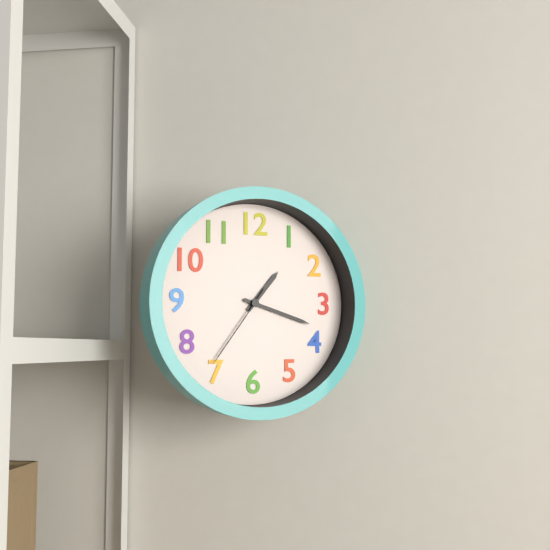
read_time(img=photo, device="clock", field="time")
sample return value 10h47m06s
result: 1h18m36s
